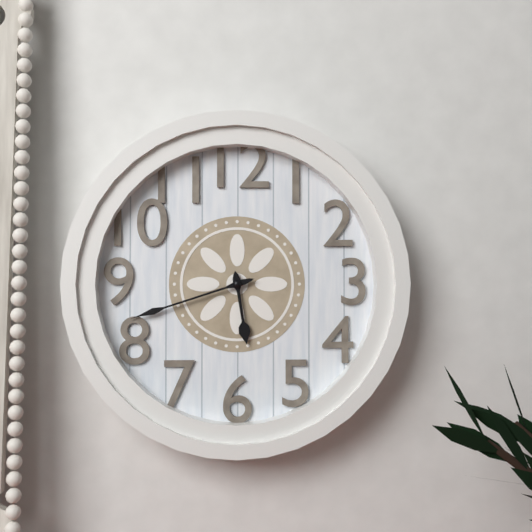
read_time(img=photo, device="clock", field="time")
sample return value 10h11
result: 5h42
